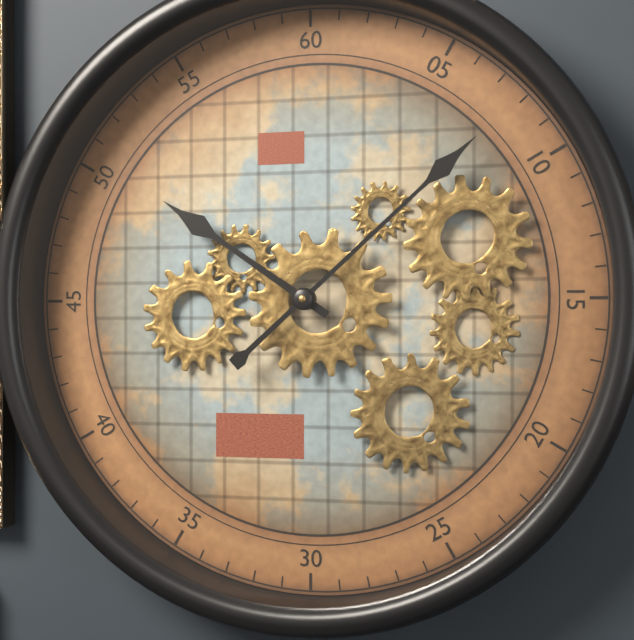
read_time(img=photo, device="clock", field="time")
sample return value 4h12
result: 10h08
